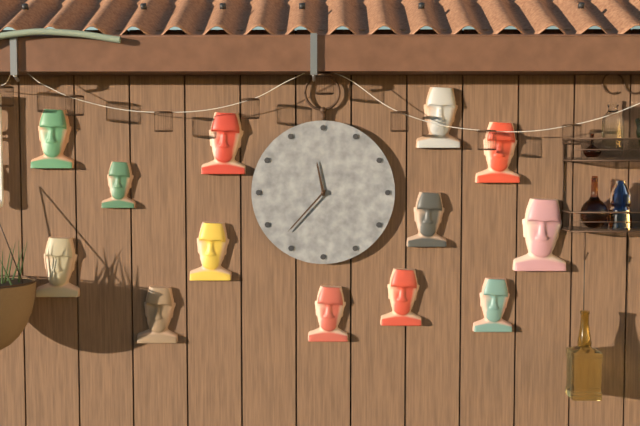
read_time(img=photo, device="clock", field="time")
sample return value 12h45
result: 11h37
